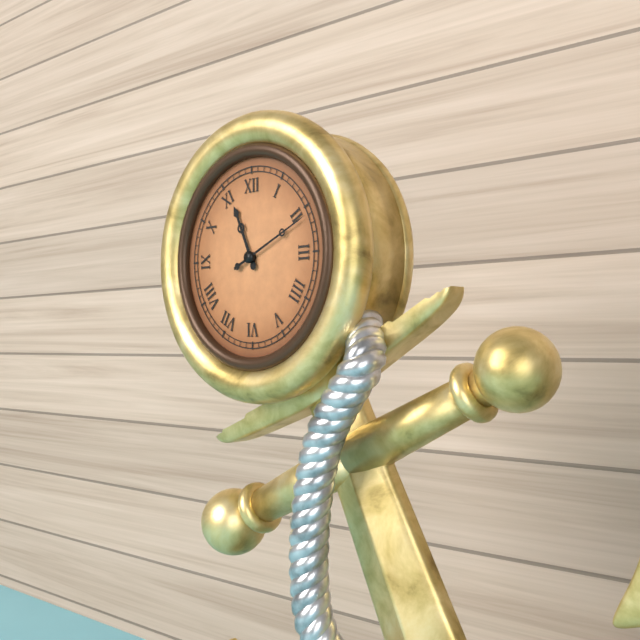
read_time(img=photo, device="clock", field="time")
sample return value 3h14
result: 11h11
